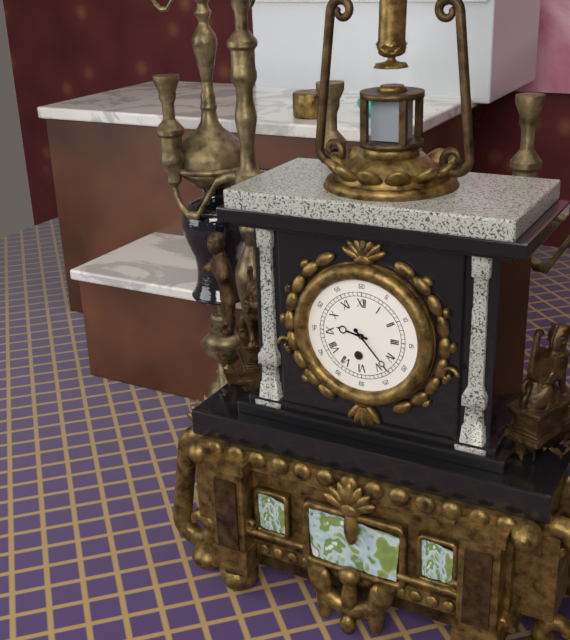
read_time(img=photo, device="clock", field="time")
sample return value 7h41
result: 9h23
